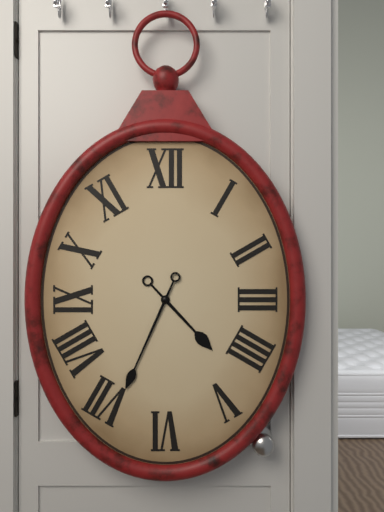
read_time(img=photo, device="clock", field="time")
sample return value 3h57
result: 4h34
